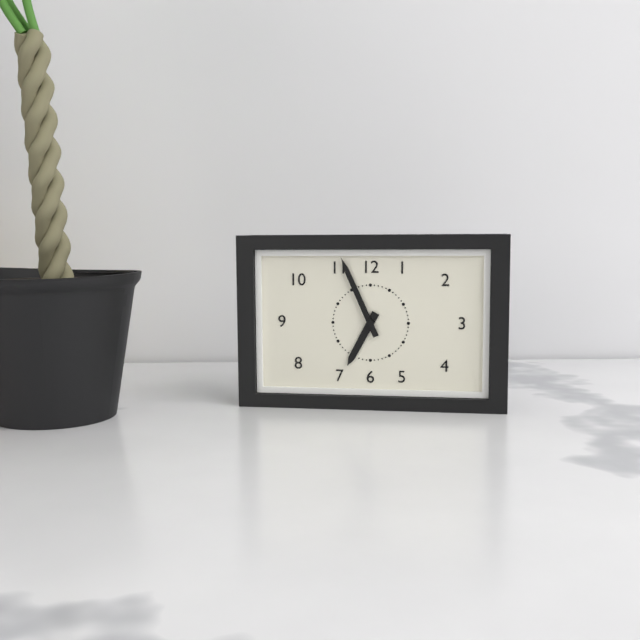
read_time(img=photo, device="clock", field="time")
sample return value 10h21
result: 6h56
